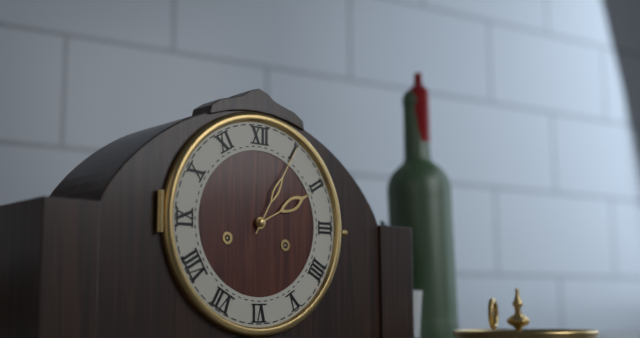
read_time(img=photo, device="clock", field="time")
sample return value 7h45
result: 2h05
